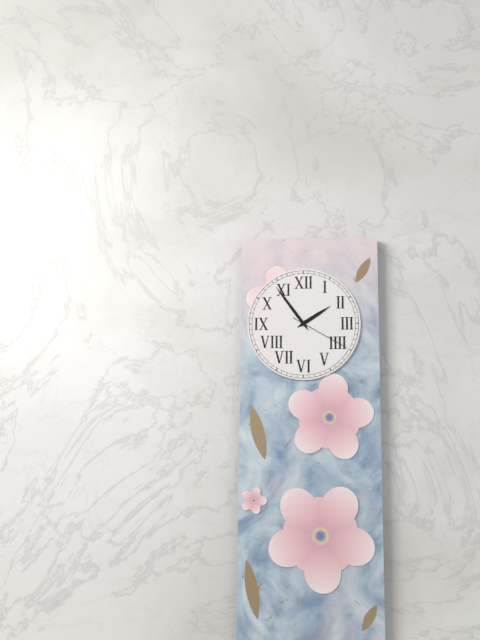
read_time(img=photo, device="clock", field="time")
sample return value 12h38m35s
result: 1h54m20s
